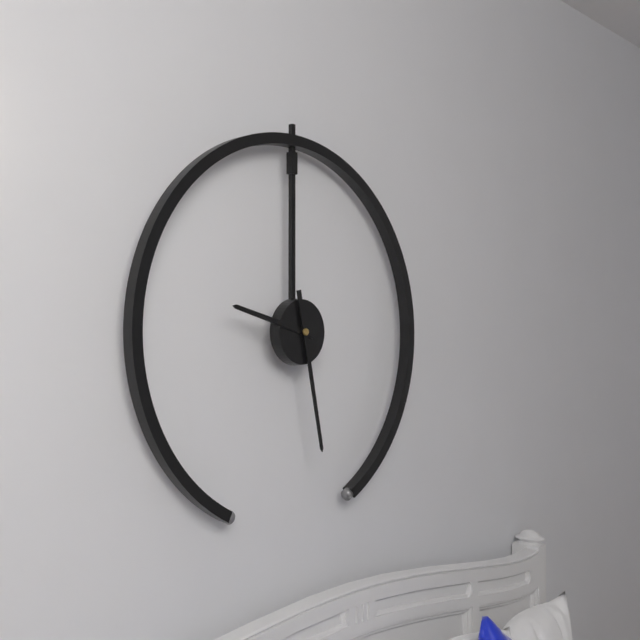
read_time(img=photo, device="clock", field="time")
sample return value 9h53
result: 9h28
